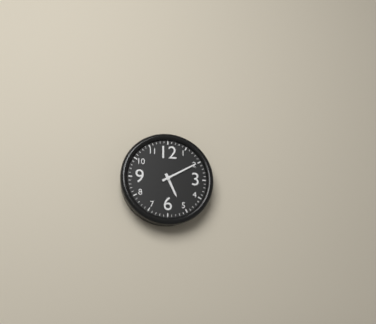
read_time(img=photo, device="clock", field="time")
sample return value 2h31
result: 5h10
